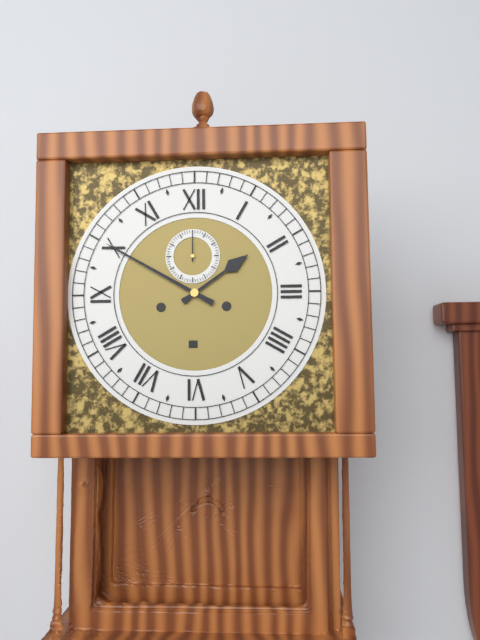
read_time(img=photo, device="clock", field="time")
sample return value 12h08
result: 1h50
